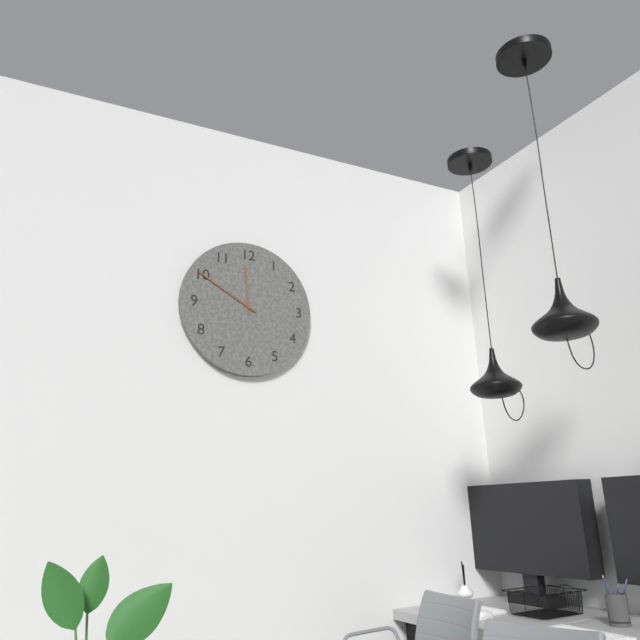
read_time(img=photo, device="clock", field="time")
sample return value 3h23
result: 11h50
